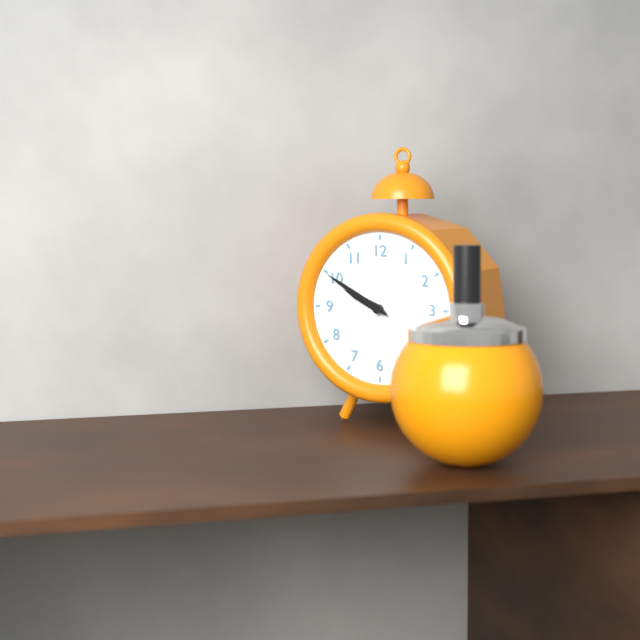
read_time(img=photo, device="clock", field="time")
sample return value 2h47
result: 9h50
